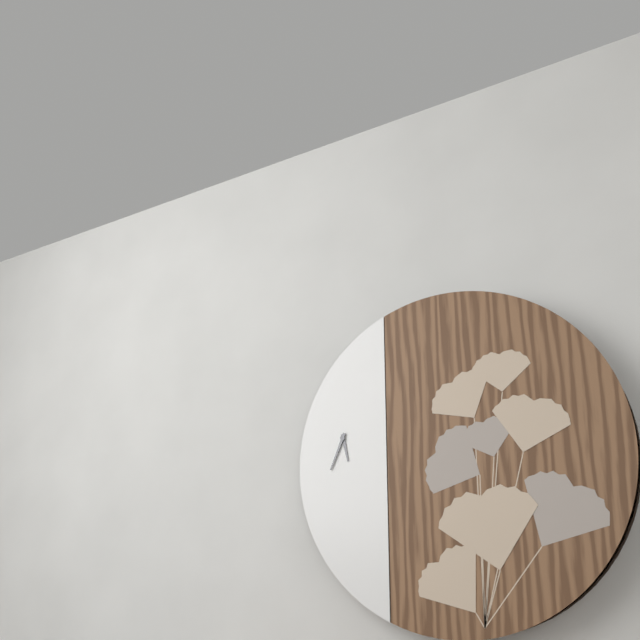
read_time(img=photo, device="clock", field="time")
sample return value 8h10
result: 5h34
